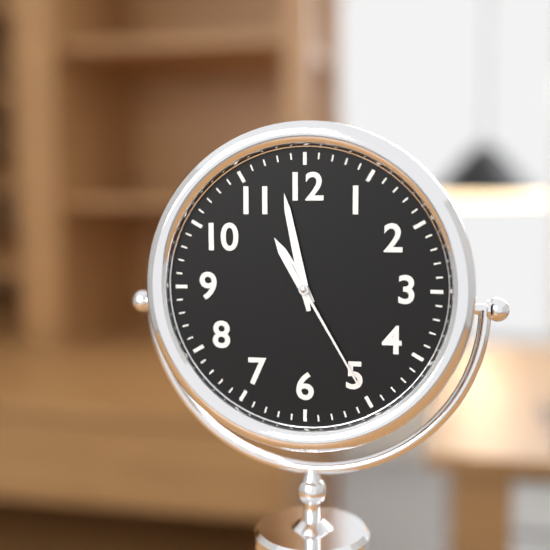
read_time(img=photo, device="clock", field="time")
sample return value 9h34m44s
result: 10h58m25s
